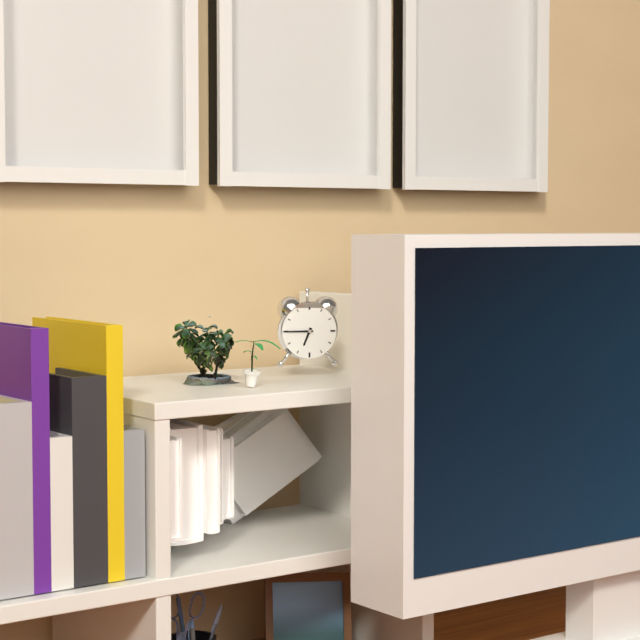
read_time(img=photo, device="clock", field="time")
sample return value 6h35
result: 6h45
